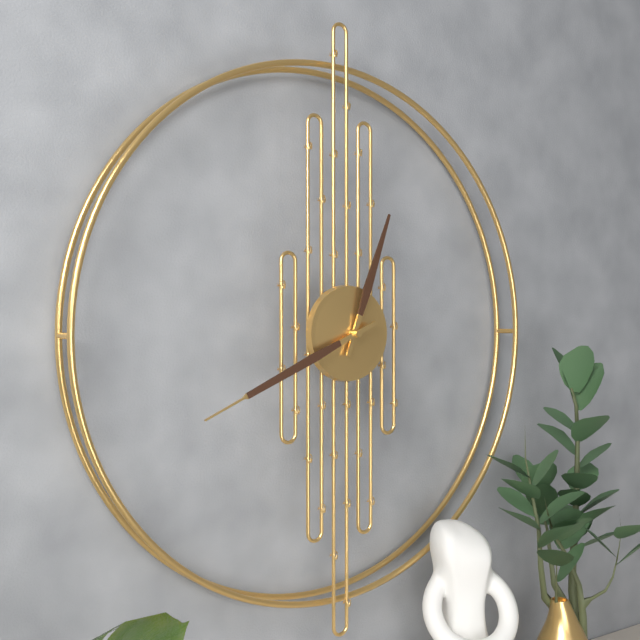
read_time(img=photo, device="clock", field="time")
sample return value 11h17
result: 12h41
